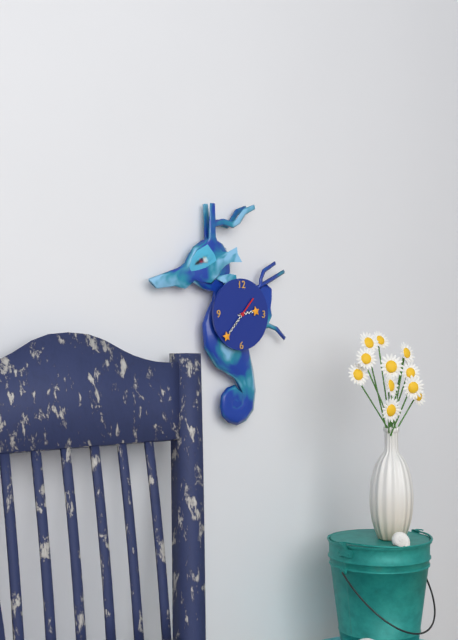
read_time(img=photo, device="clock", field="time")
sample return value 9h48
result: 2h37
